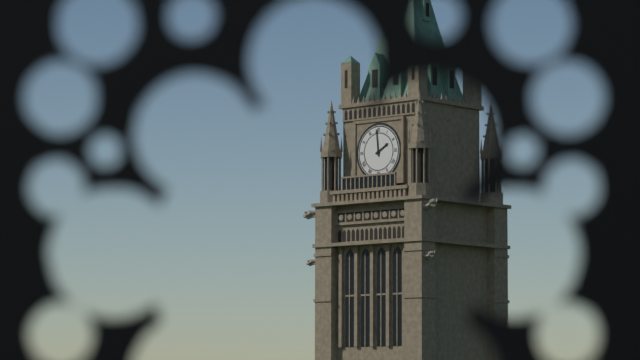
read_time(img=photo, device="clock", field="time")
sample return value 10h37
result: 1h59
